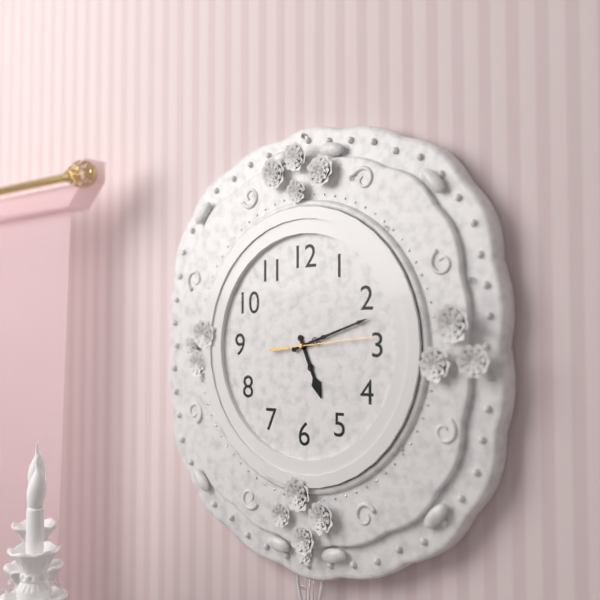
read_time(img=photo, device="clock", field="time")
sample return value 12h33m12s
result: 5h12m14s
